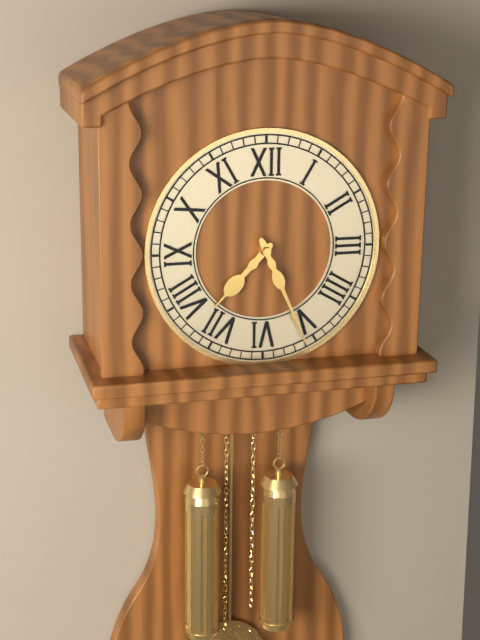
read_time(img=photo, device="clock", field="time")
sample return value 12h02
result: 7h26
